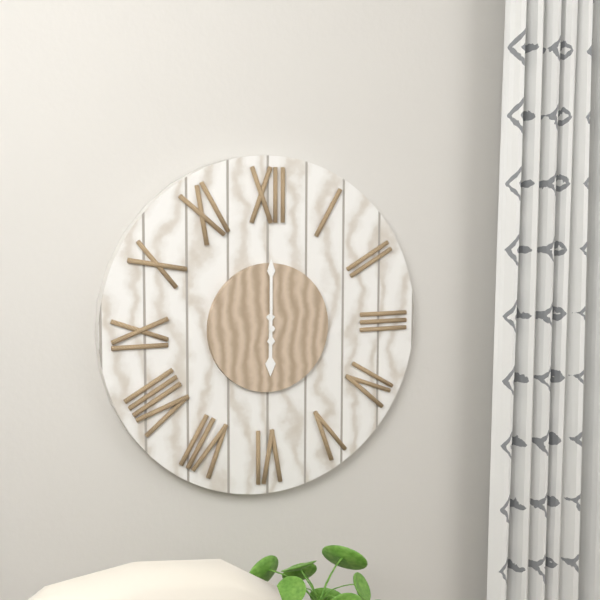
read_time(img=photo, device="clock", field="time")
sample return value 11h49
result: 6h00
